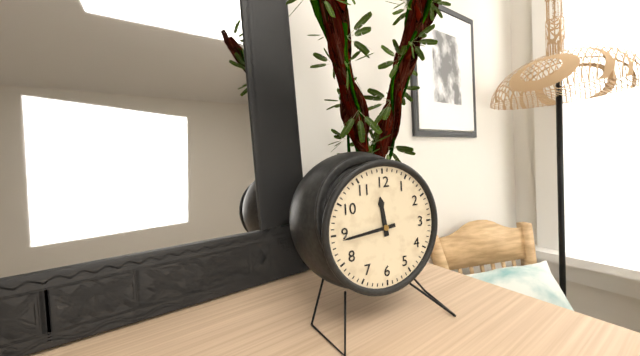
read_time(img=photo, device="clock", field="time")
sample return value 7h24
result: 11h44
